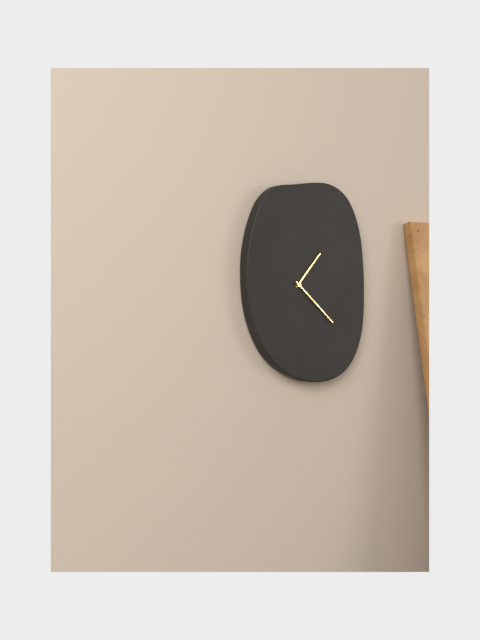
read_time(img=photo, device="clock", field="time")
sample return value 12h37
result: 1h22
